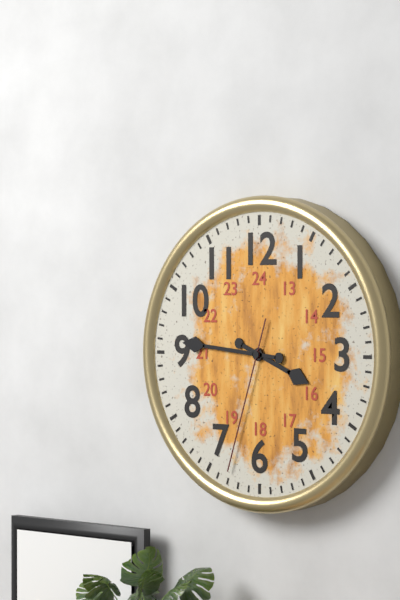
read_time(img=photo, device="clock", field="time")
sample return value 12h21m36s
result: 3h46m33s
